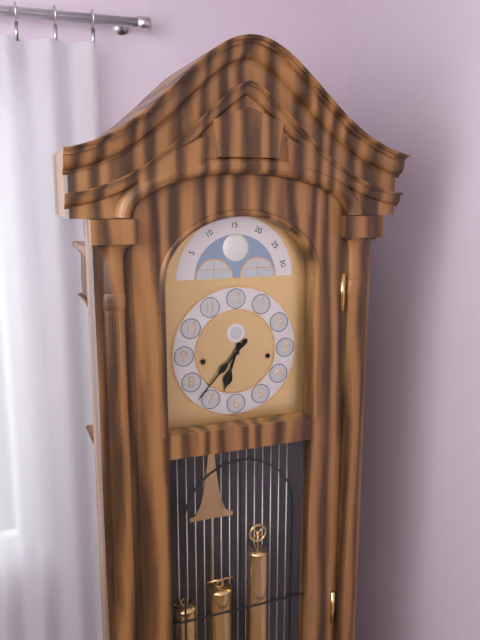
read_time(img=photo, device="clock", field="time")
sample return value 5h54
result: 6h37
